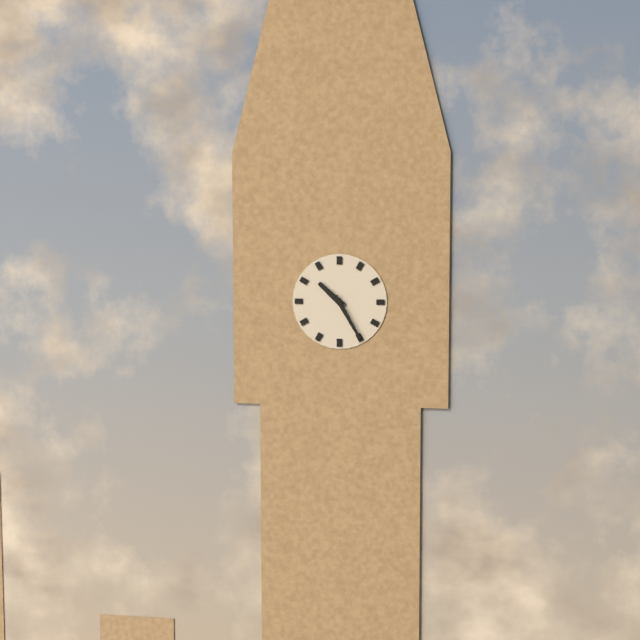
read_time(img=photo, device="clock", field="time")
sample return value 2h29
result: 10h25
